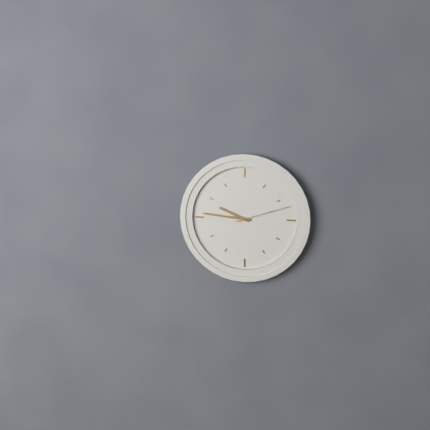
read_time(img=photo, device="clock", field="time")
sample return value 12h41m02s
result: 9h46m12s
